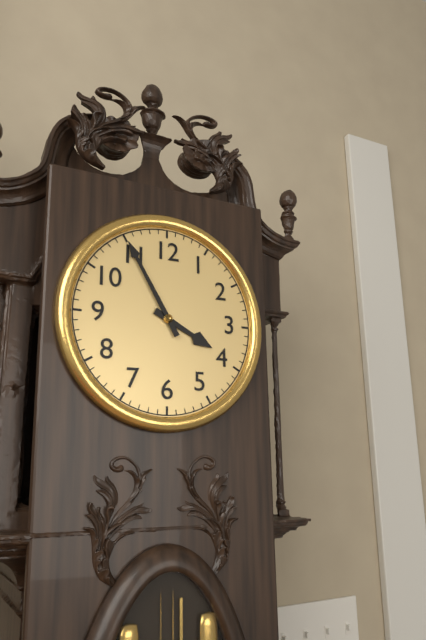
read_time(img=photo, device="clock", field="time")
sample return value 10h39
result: 3h55
